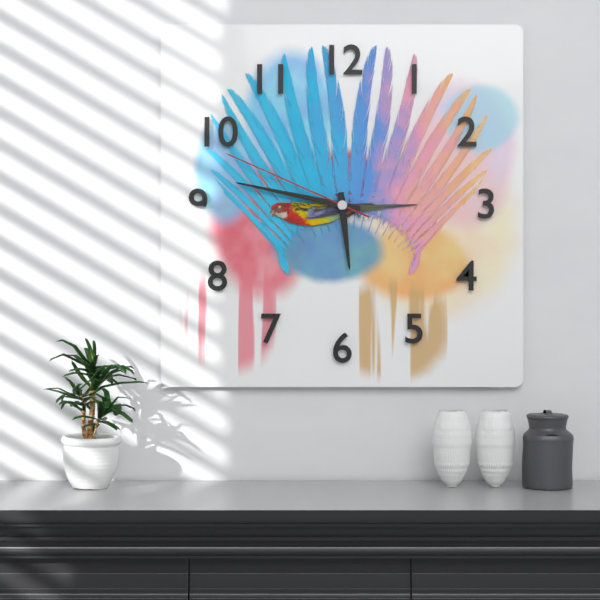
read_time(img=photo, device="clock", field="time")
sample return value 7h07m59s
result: 5h47m49s
